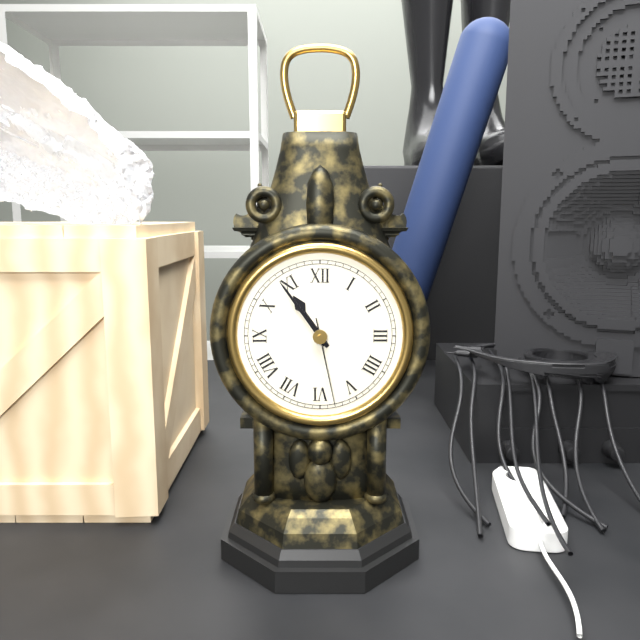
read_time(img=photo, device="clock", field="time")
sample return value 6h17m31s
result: 10h54m28s
